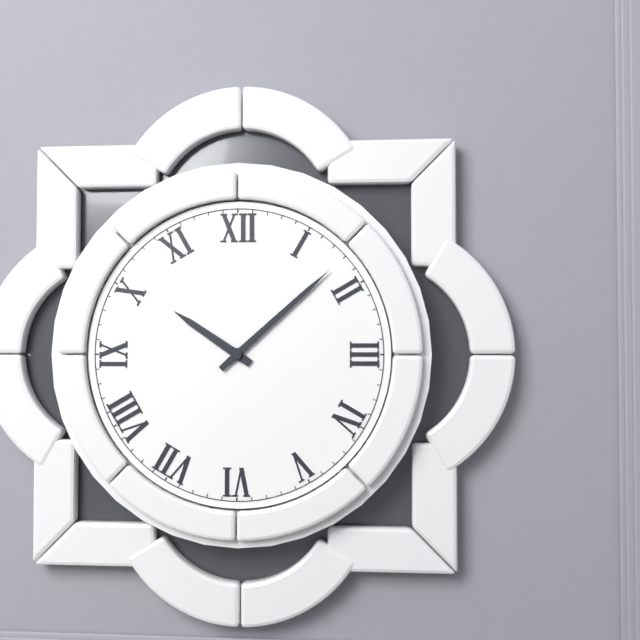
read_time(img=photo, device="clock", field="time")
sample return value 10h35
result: 10h08
